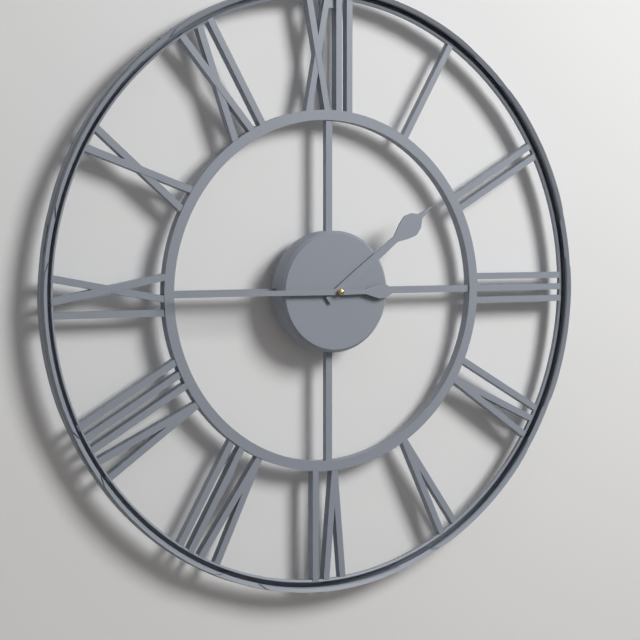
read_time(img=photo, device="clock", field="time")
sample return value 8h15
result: 1h45
